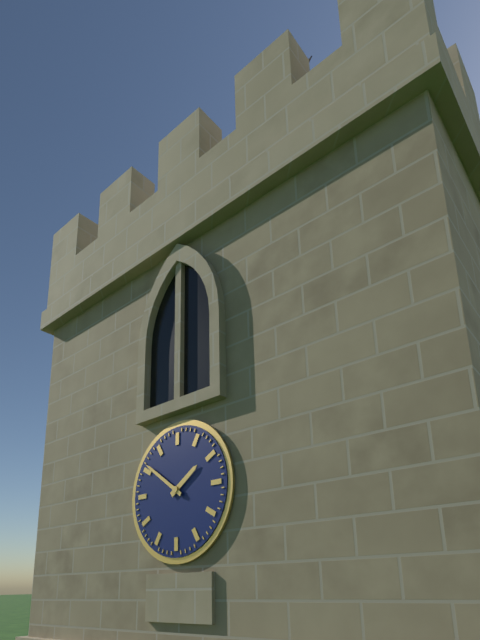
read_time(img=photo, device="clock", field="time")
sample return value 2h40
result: 1h51
